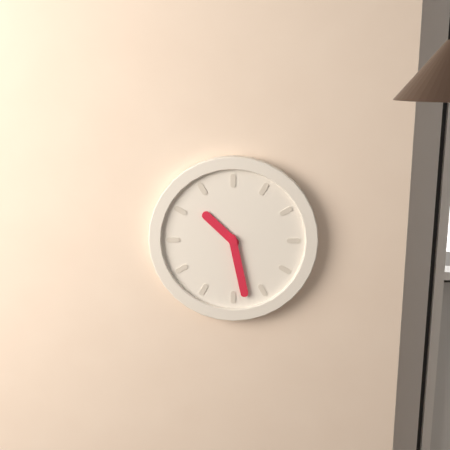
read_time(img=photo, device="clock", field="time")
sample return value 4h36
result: 10h28
